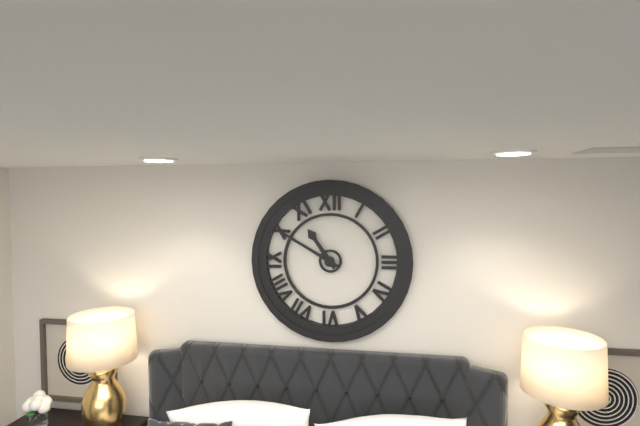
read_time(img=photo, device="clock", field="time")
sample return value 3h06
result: 10h50
